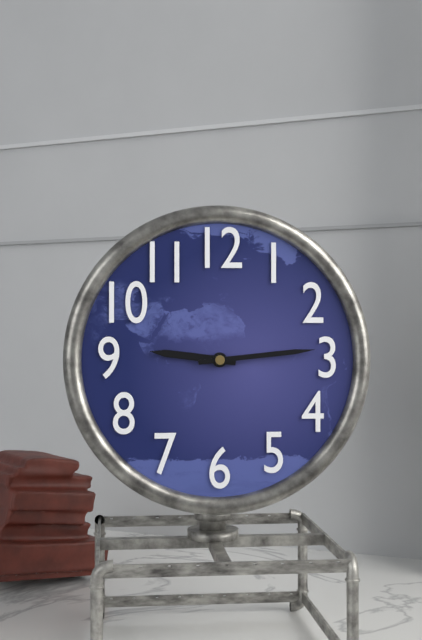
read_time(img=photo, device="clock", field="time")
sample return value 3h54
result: 9h14
